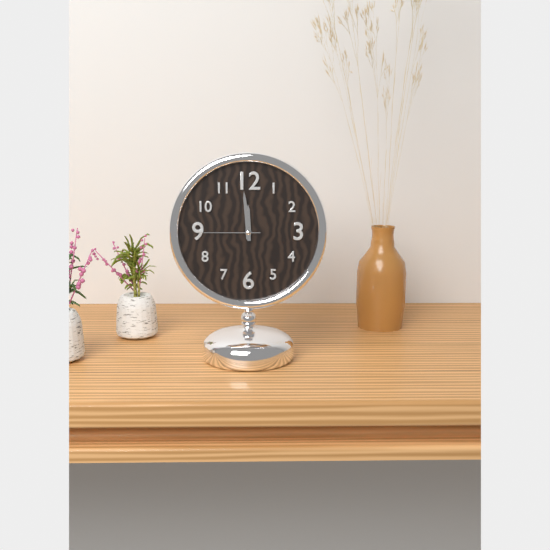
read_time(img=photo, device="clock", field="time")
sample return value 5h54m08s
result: 11h59m45s
